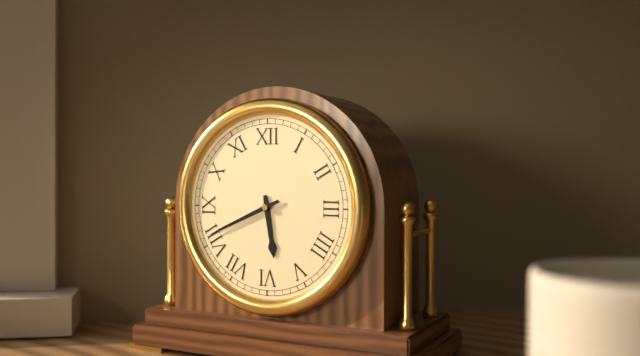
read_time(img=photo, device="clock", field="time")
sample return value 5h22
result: 5h41
